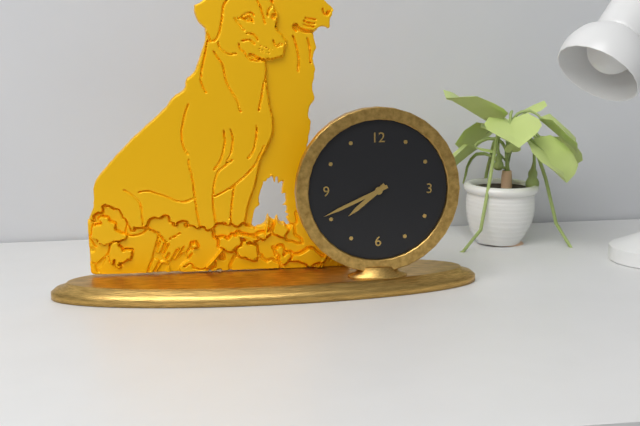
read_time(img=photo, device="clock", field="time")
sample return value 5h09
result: 7h41
